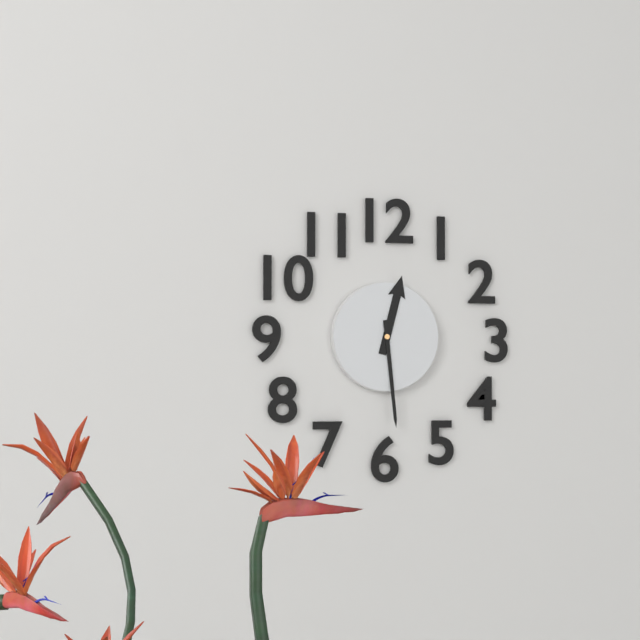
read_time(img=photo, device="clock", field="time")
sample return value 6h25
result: 12h29
